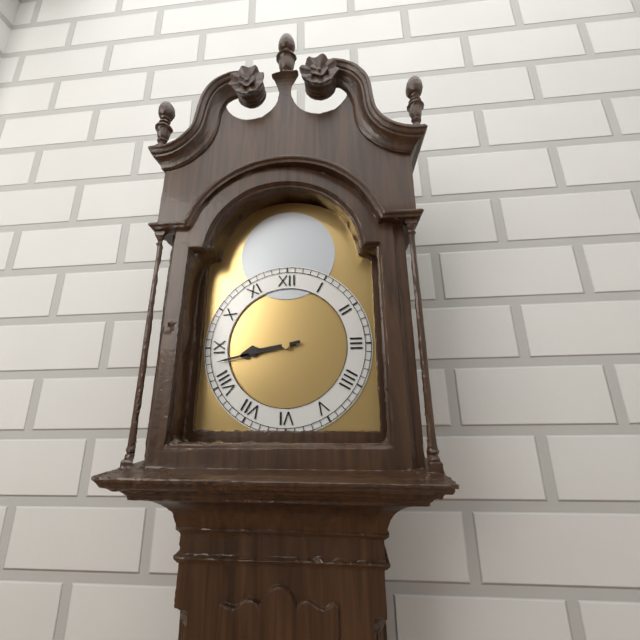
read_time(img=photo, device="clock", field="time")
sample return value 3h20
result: 8h43
